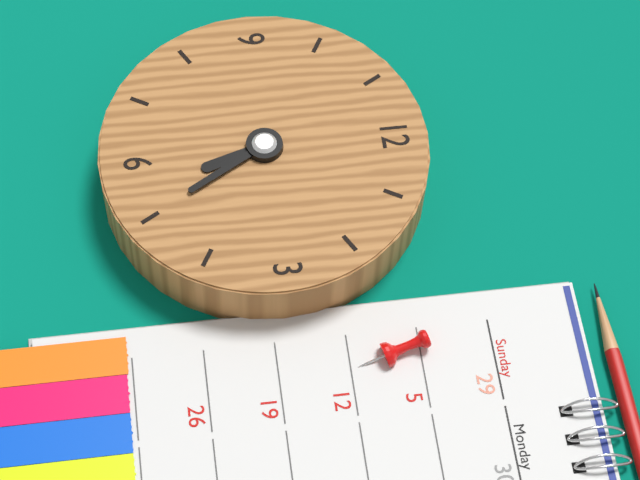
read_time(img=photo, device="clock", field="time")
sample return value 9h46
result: 5h25
